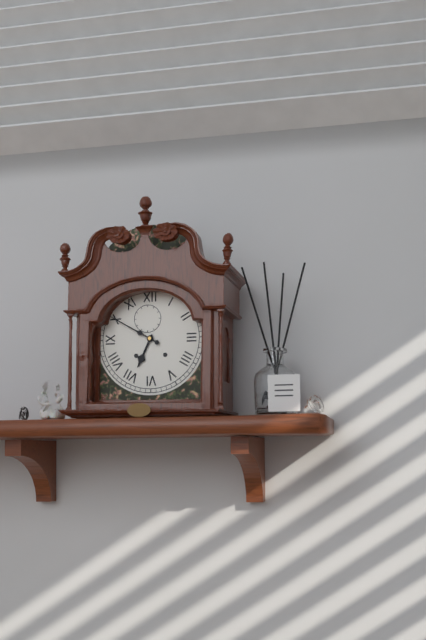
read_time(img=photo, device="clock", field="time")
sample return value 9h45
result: 6h50
